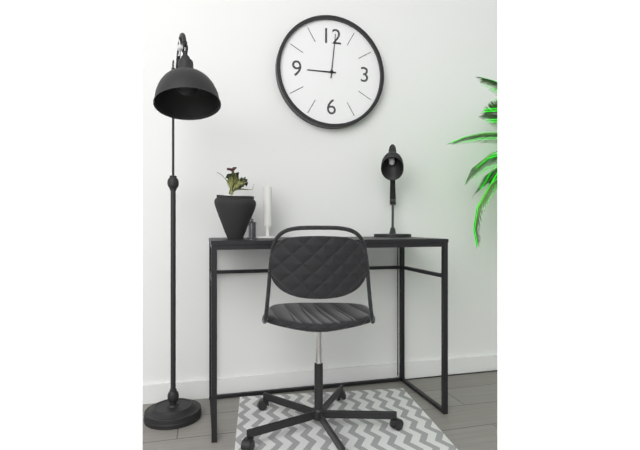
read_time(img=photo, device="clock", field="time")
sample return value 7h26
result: 9h01
